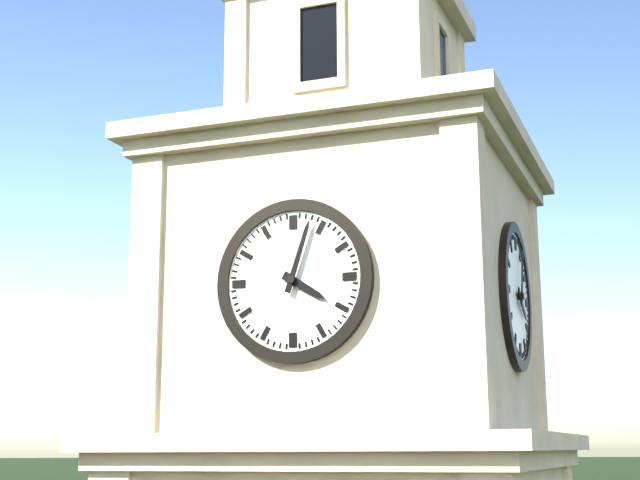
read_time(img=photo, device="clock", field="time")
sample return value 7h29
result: 4h03
